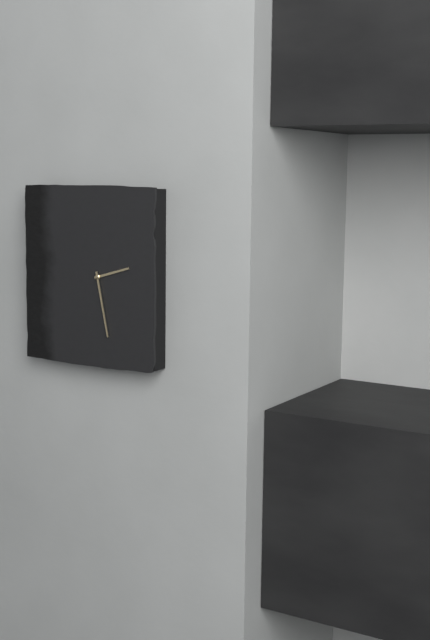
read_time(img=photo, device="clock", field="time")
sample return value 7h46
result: 2h28
